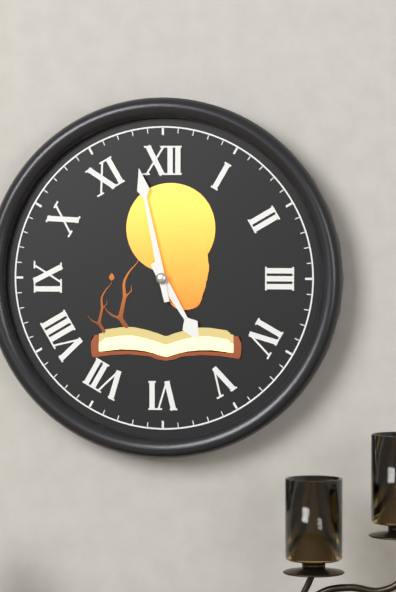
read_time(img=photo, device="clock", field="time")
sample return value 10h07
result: 4h58
